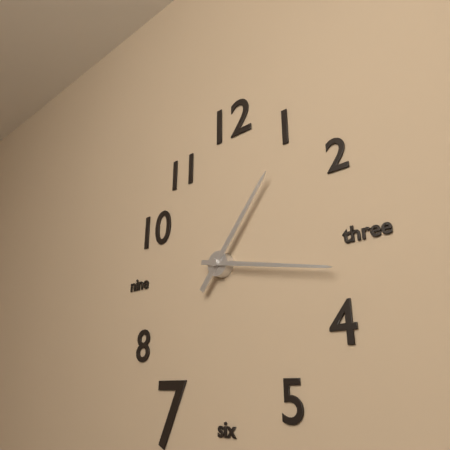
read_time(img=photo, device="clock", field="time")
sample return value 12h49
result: 1h17
